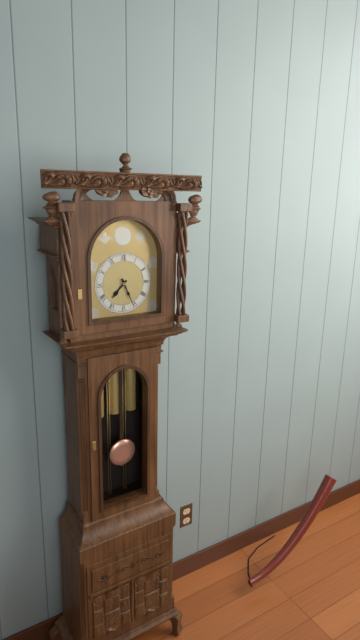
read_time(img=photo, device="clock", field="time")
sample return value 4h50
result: 7h26
